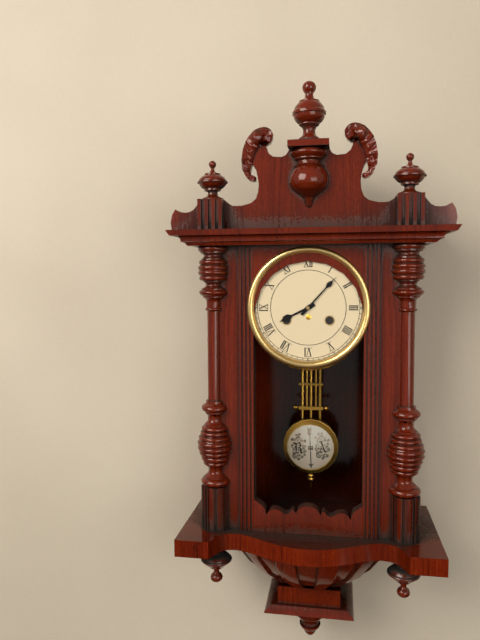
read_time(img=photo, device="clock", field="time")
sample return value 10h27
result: 8h07
